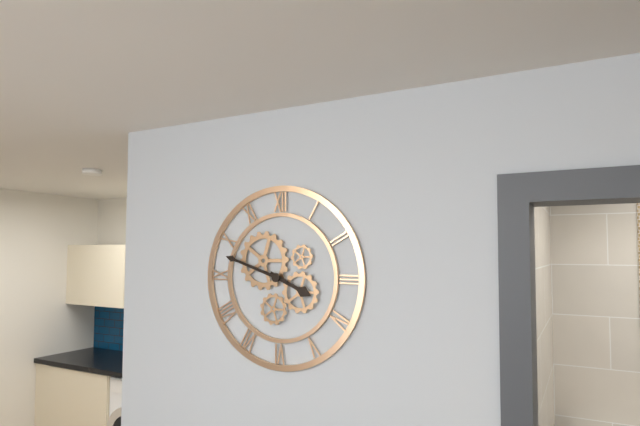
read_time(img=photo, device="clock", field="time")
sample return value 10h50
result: 3h48
